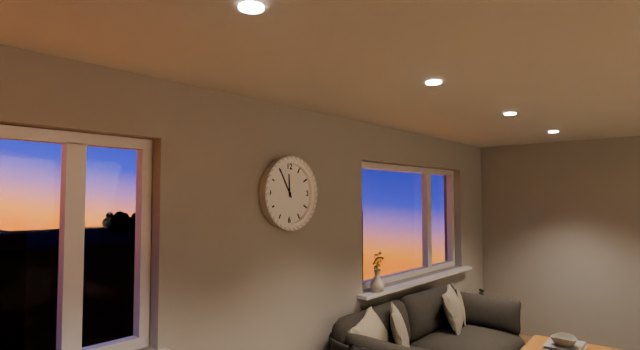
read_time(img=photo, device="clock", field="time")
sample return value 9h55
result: 11h55
